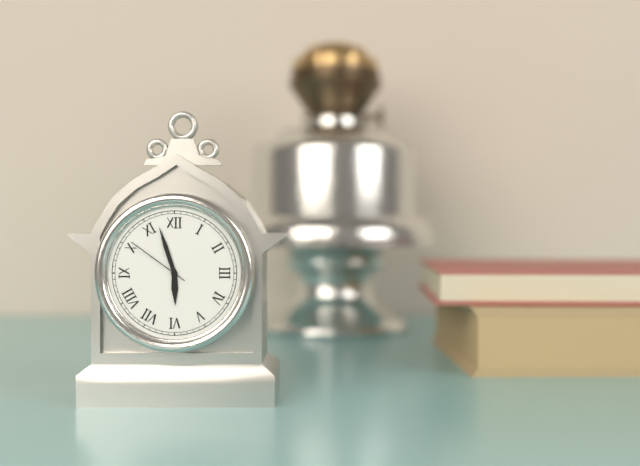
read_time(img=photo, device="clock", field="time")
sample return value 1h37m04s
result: 5h57m51s
